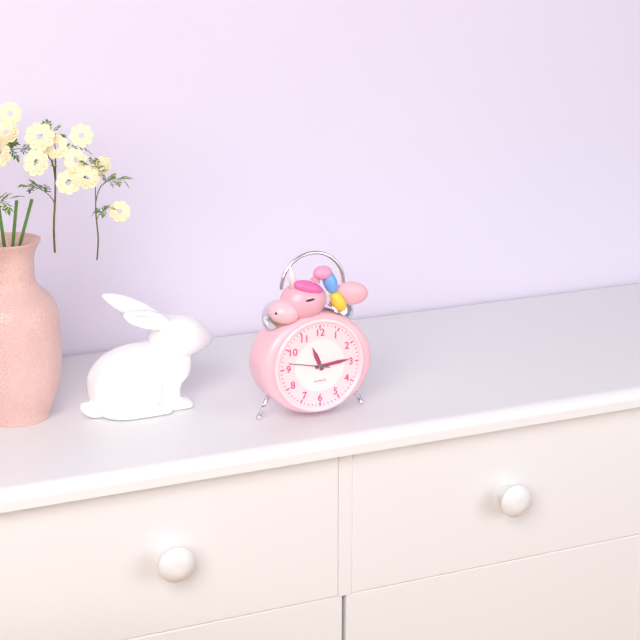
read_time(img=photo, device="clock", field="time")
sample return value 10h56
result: 11h14
